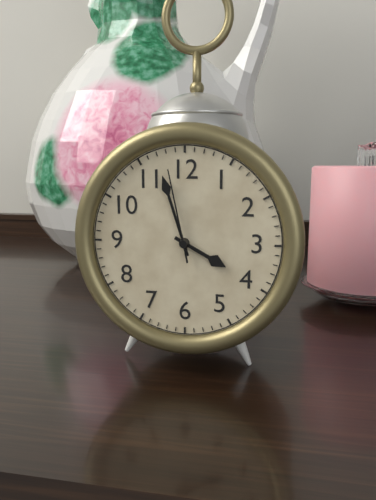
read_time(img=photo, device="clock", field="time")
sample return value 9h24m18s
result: 3h57m58s
